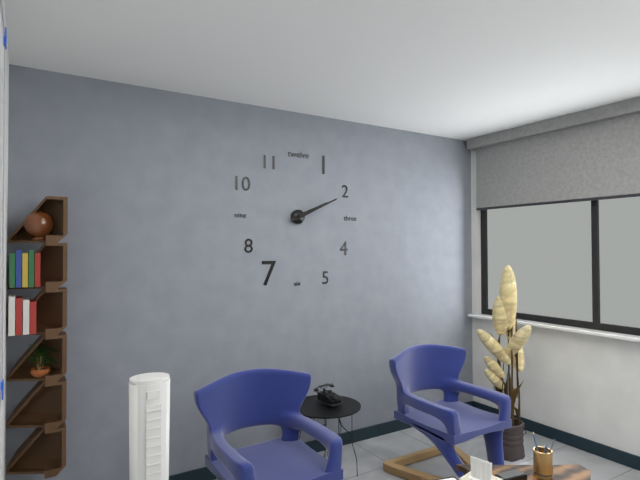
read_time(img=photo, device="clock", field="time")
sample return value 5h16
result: 2h11
